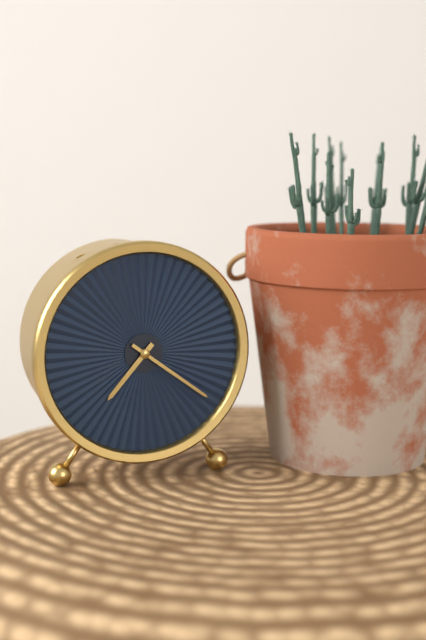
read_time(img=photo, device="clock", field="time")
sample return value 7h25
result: 7h21
